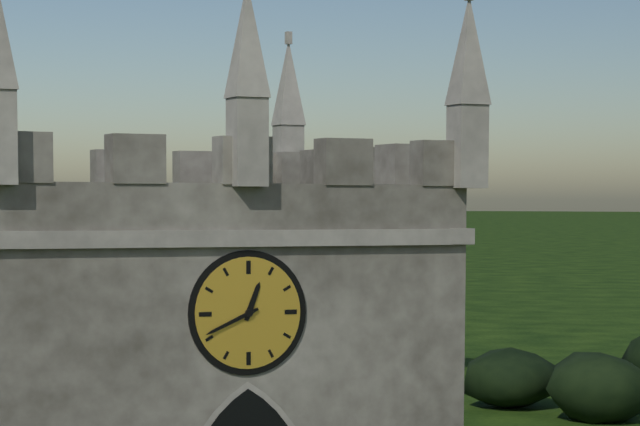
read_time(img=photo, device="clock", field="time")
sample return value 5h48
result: 12h41
